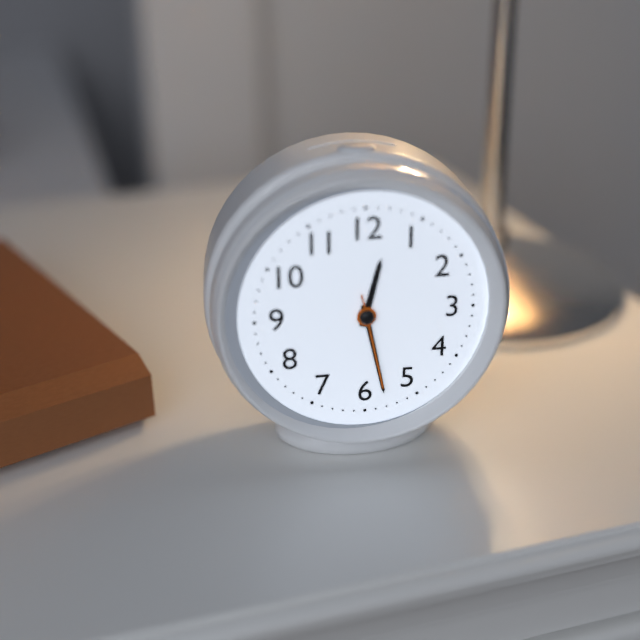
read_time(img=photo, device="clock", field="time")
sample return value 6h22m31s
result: 12h28m28s
